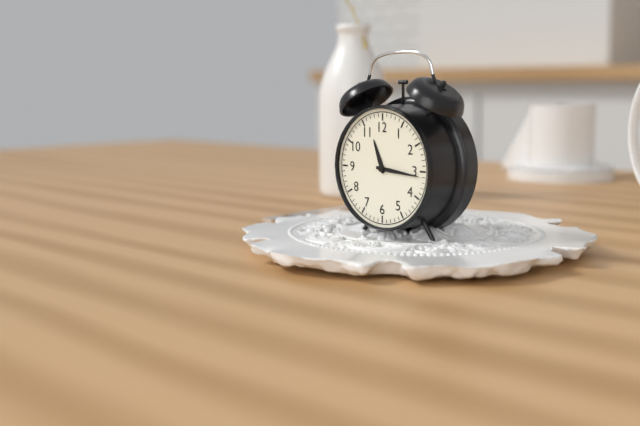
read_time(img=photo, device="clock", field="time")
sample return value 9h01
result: 11h16
